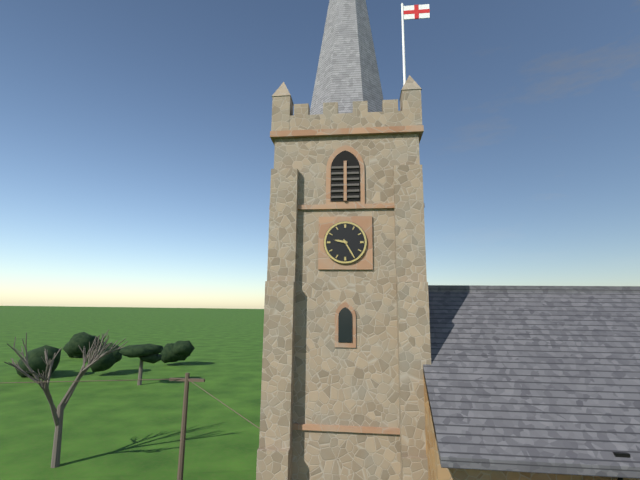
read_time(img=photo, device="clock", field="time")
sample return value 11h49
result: 9h25
